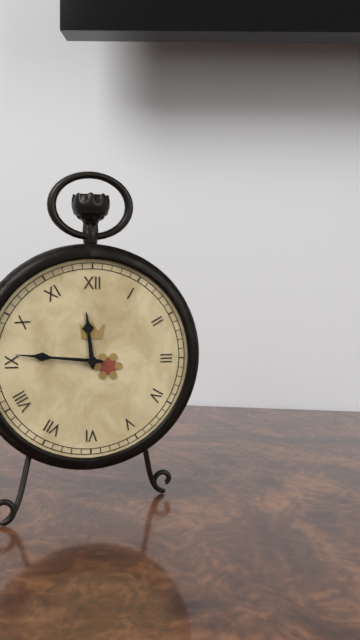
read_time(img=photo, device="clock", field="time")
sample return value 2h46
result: 11h46
